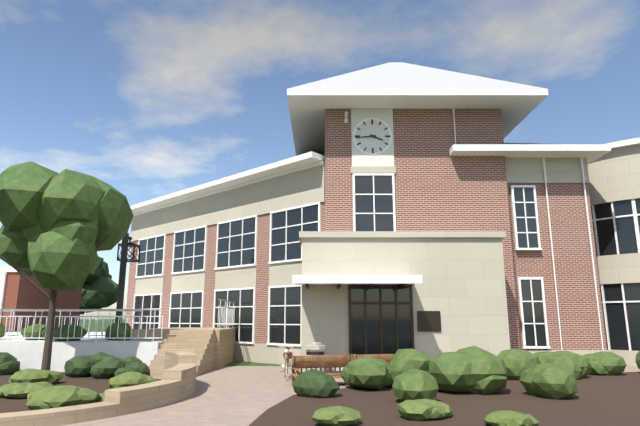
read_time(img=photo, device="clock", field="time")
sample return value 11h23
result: 3h44
